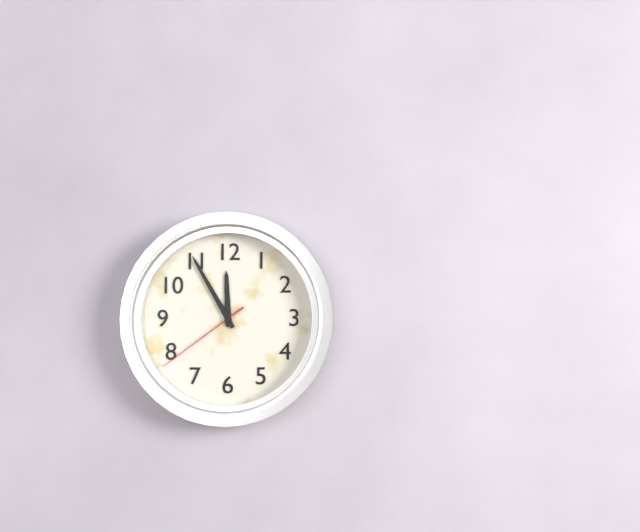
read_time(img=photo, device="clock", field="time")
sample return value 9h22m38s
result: 11h55m39s
